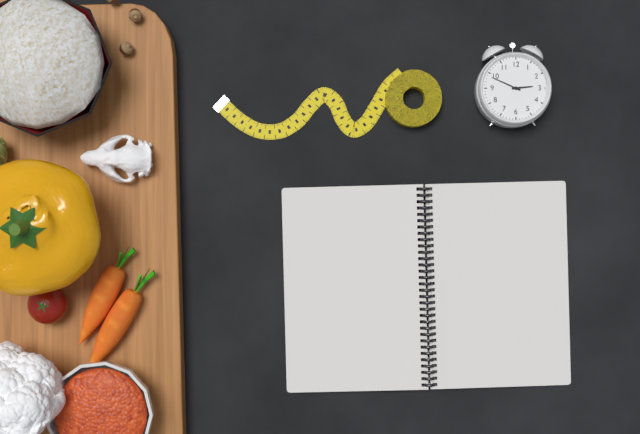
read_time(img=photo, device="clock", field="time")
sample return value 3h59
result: 2h49
